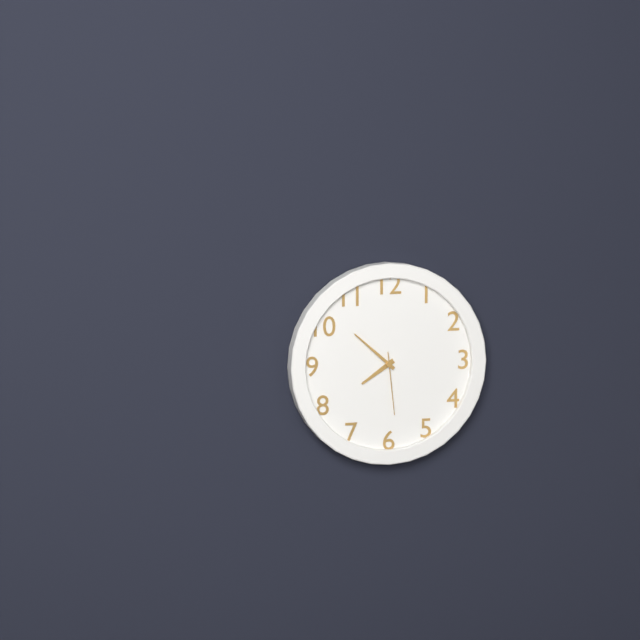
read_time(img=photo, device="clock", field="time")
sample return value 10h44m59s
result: 7h52m29s
